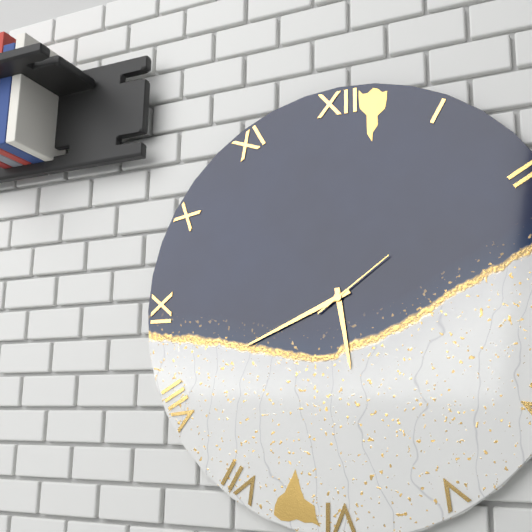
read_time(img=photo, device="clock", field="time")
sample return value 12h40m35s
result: 5h41m09s
